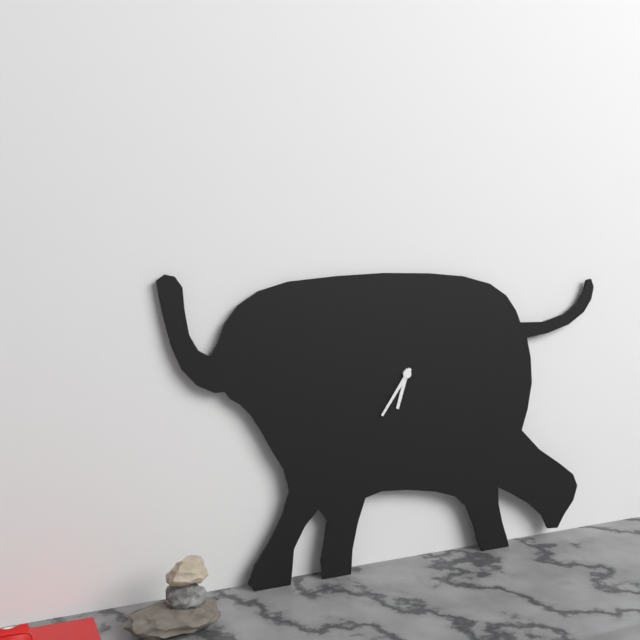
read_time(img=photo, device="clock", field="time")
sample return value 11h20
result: 6h36
